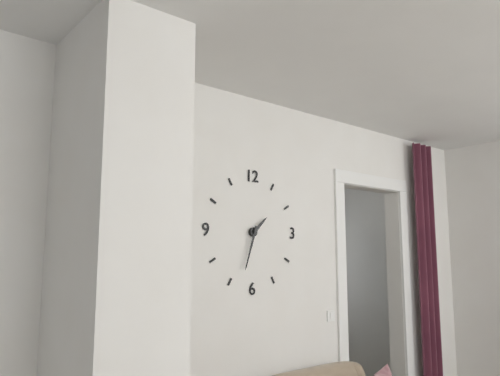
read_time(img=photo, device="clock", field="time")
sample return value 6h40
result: 1h33
